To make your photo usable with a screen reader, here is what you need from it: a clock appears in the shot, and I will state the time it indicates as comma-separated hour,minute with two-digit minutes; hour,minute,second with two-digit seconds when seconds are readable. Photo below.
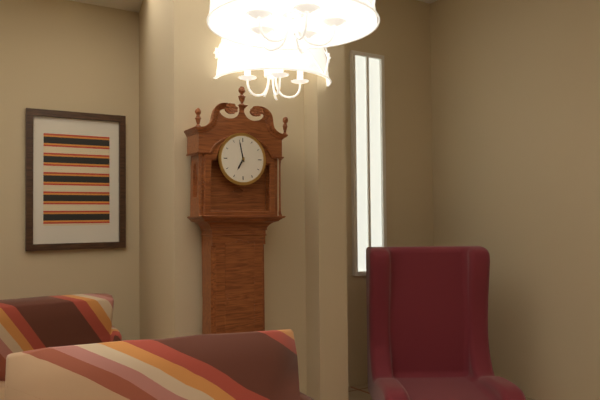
6,58
